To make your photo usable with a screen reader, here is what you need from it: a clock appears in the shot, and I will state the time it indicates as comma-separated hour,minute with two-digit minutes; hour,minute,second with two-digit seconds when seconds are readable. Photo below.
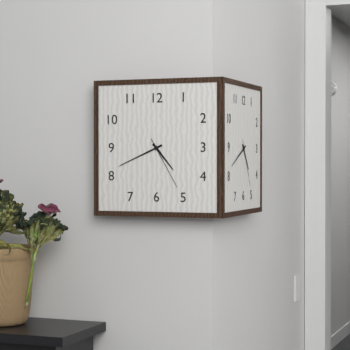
4,41,25
